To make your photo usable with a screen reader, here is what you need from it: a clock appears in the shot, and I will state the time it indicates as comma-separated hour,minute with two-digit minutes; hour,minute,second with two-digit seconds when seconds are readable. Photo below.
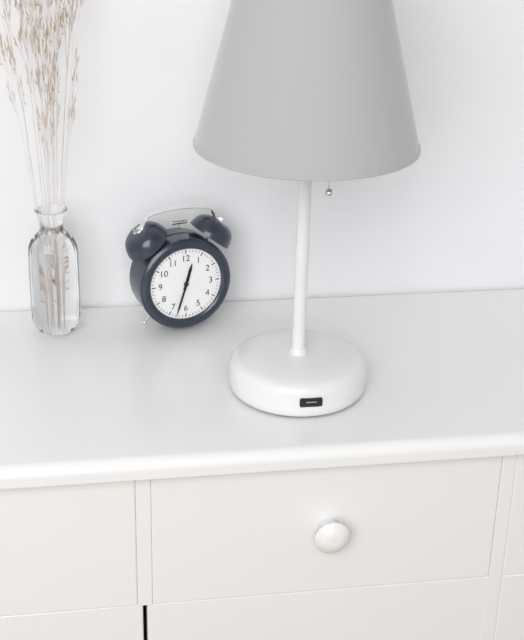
12,33
